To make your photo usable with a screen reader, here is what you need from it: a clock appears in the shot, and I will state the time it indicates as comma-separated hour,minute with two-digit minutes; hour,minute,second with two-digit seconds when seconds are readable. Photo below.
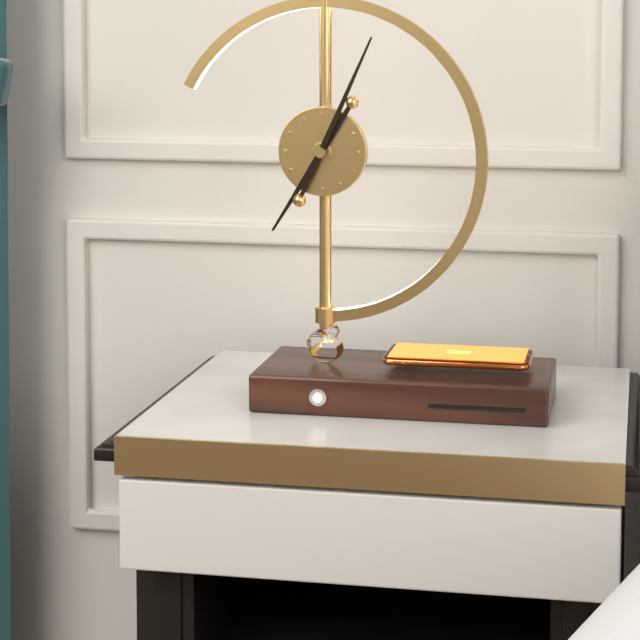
7,04
